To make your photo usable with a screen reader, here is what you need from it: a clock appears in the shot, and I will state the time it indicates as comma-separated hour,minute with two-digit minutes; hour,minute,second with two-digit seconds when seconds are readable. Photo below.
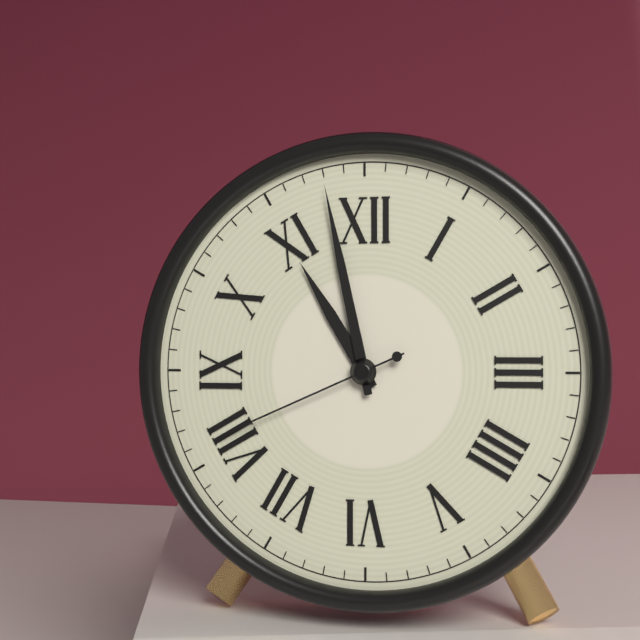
10,58,41
